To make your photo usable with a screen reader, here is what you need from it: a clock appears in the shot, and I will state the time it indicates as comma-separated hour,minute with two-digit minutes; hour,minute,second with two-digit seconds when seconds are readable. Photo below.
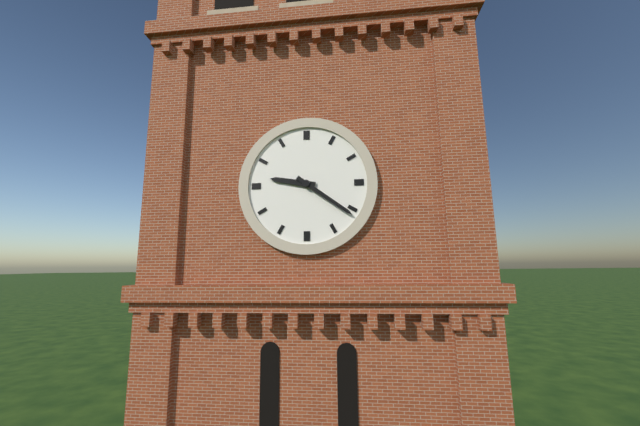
9,21
